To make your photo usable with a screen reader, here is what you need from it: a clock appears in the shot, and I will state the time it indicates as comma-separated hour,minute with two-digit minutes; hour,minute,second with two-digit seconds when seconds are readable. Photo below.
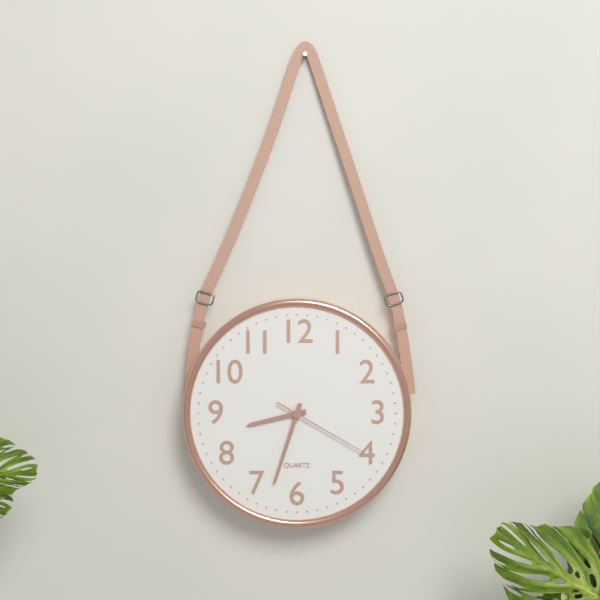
8,33,20
